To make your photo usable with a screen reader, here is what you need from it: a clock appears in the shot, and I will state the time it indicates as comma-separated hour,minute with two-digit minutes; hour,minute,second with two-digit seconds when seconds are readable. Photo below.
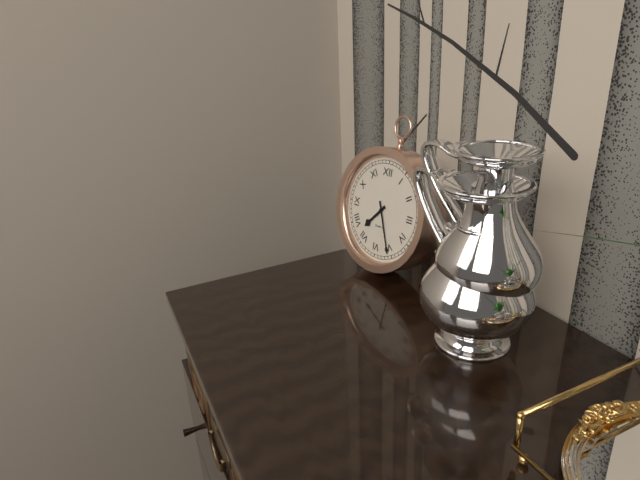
7,26
